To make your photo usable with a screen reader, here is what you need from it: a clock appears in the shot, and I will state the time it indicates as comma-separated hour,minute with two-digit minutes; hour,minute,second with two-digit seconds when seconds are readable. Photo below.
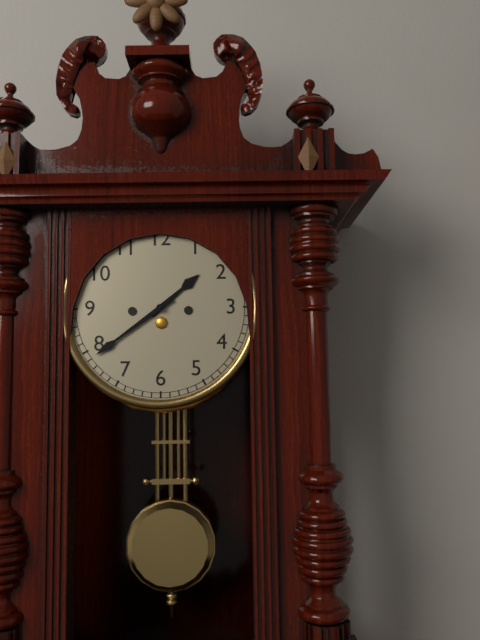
1,39
